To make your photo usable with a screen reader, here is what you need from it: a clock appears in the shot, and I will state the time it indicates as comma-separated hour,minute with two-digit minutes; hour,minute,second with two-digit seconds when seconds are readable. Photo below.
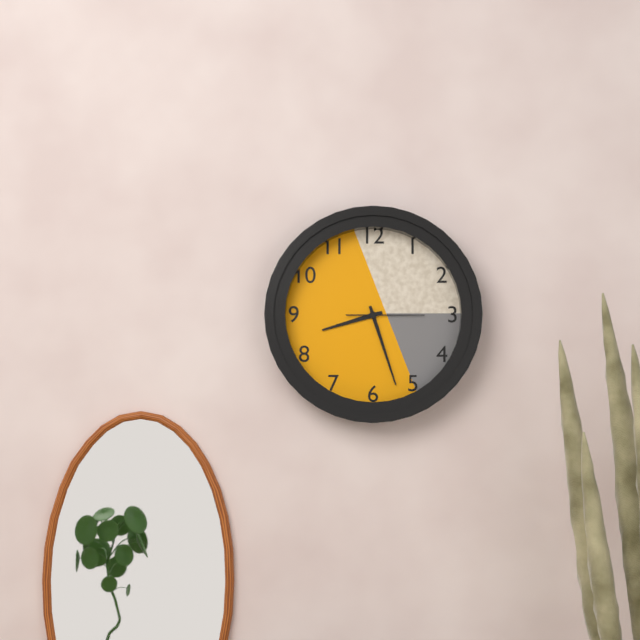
8,27,15
